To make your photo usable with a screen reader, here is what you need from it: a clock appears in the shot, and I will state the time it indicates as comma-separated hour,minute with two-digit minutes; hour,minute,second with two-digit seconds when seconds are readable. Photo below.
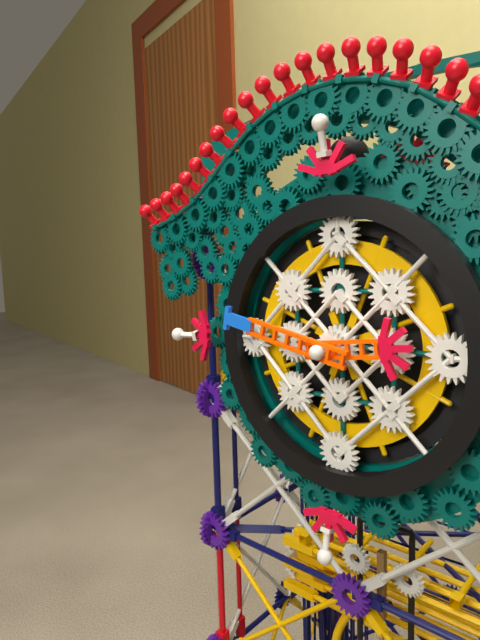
2,47
